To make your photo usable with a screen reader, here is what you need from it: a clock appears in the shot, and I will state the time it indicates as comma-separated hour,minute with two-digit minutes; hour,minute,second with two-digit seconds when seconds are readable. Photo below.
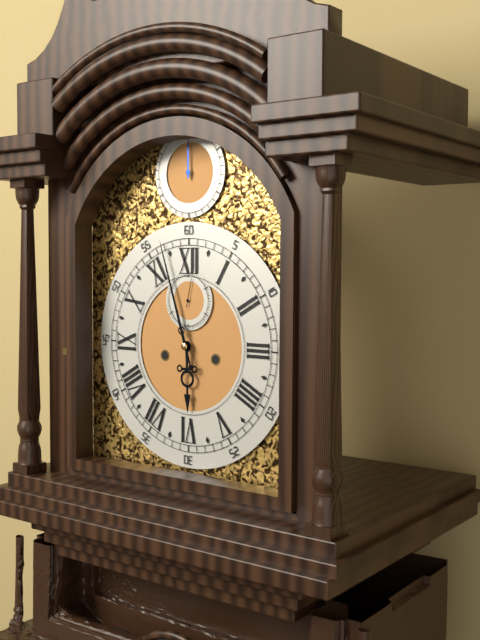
5,57
